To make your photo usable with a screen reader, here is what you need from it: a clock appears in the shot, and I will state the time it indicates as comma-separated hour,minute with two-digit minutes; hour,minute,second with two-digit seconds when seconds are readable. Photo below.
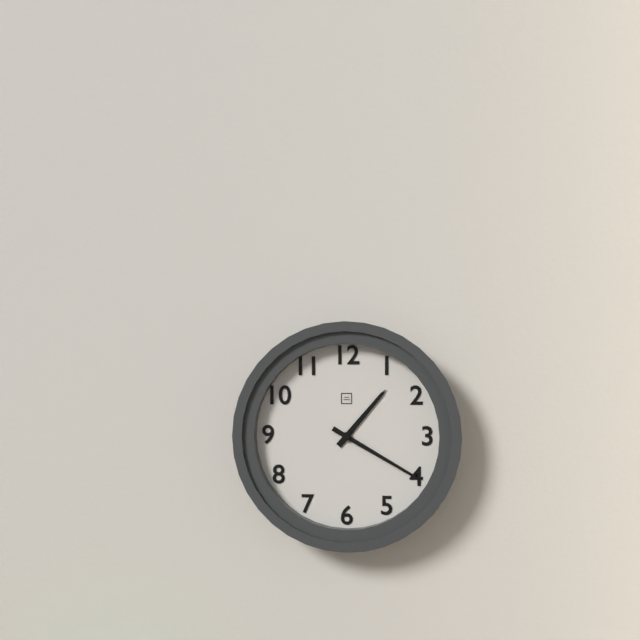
1,20
